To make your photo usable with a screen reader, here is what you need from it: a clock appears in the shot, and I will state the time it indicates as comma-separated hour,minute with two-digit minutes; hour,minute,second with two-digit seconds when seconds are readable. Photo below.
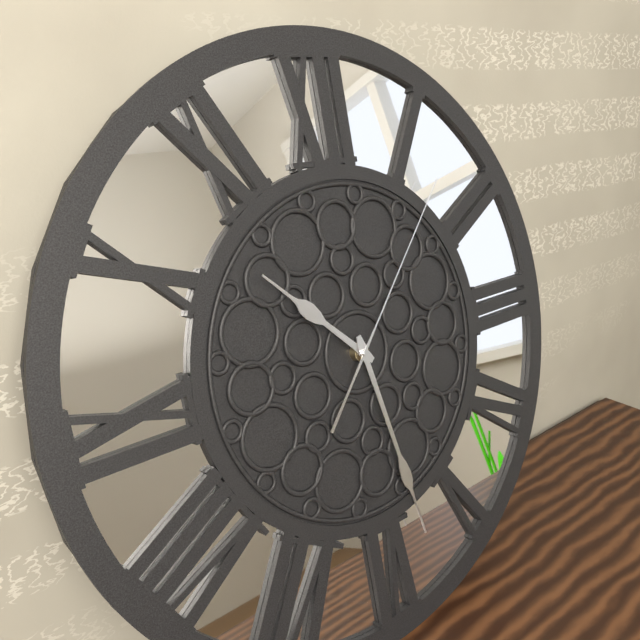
10,28,07
